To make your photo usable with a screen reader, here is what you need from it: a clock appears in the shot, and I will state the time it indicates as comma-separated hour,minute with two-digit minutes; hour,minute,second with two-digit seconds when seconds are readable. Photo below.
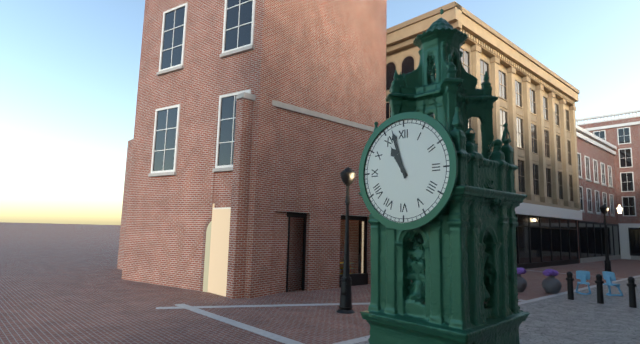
10,57
